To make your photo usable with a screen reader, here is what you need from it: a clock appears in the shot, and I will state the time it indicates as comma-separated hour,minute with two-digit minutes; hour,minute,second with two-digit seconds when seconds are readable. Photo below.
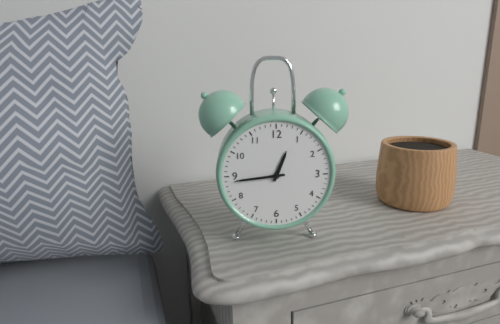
12,44
